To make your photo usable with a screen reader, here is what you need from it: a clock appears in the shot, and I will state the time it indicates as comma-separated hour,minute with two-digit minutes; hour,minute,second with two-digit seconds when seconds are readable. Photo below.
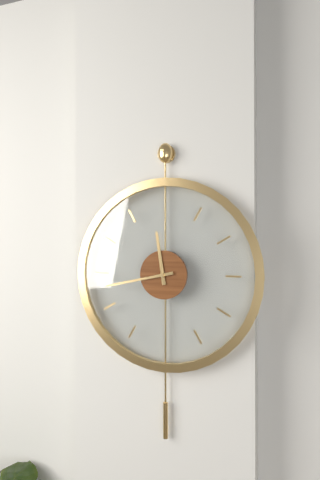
11,43
